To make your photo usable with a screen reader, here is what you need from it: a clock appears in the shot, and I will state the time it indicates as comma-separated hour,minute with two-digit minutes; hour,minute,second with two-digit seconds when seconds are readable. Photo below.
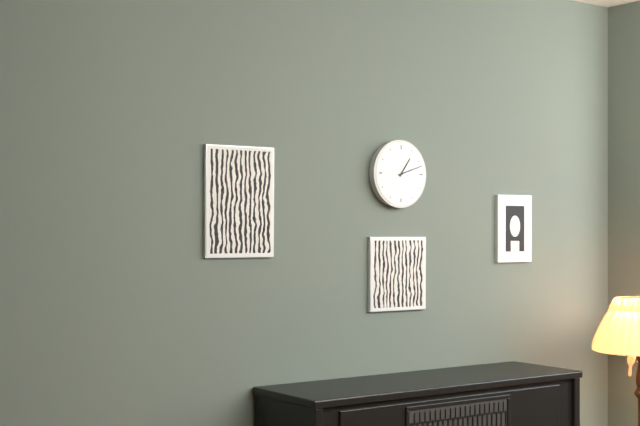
1,12
